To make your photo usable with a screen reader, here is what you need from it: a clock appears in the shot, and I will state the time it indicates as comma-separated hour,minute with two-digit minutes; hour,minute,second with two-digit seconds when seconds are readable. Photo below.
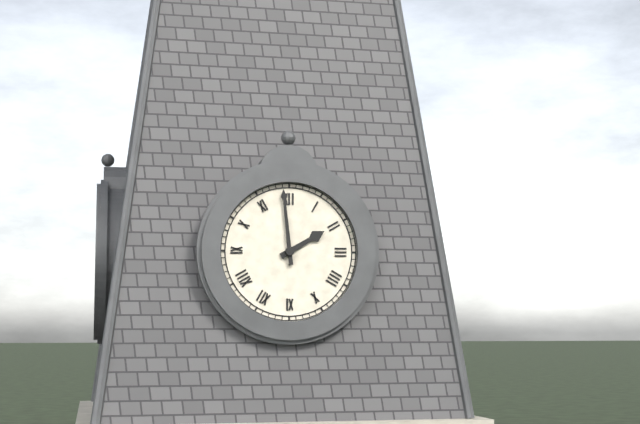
1,59
